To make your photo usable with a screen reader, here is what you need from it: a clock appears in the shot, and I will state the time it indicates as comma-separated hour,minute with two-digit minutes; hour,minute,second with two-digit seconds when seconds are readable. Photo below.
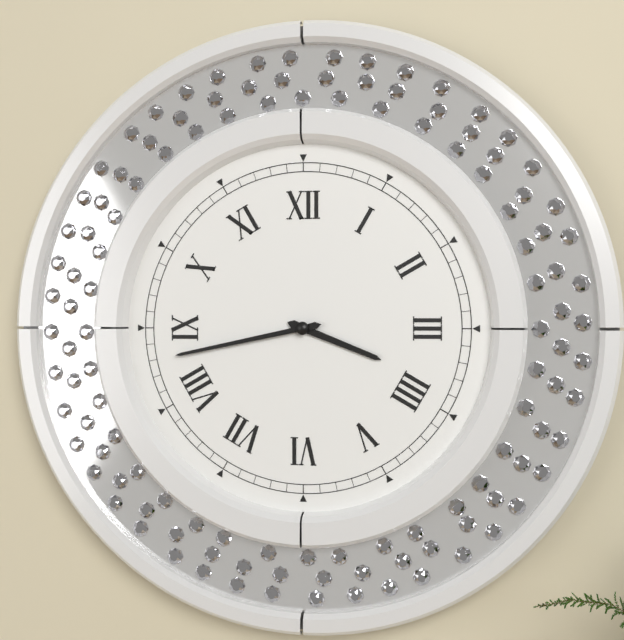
3,43
